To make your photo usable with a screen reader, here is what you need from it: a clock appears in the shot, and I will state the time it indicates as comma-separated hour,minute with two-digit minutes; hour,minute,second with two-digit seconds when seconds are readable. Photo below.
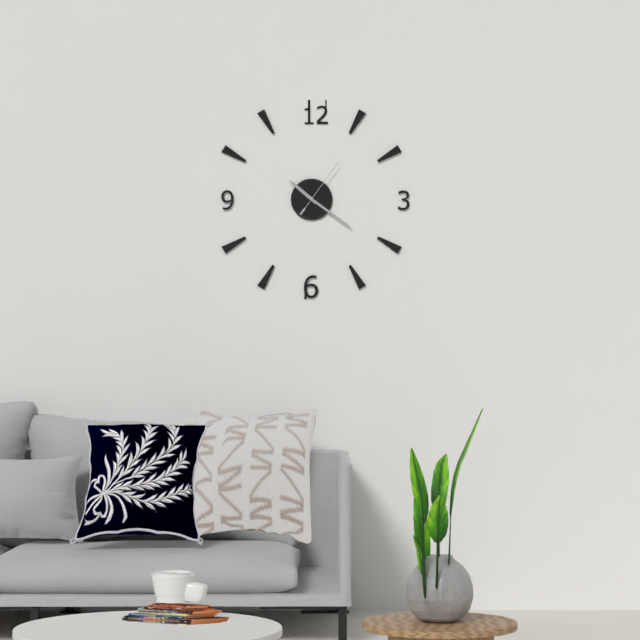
10,21,06
